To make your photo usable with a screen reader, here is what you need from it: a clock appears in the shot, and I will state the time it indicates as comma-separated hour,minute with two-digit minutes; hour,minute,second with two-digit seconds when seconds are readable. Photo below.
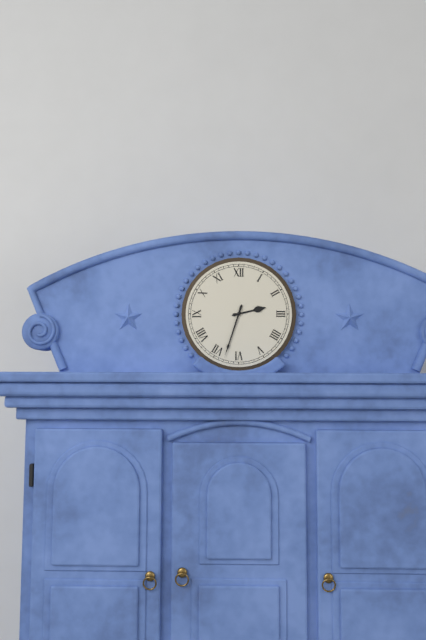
2,33
